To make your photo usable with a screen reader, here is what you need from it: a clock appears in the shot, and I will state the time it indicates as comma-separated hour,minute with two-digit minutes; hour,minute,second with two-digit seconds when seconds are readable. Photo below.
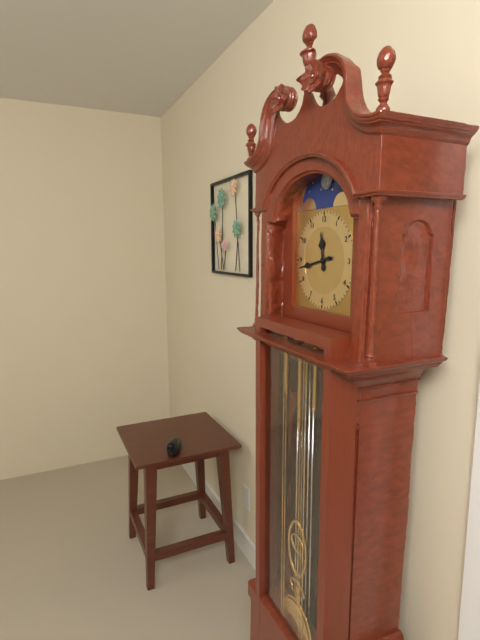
11,43
